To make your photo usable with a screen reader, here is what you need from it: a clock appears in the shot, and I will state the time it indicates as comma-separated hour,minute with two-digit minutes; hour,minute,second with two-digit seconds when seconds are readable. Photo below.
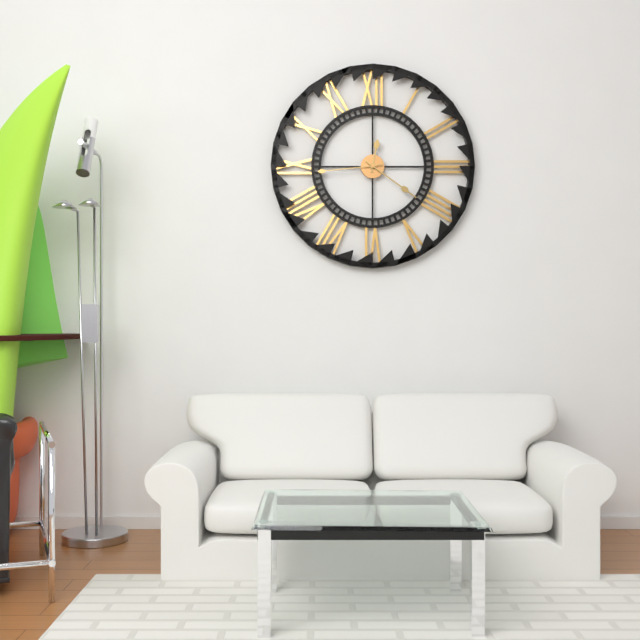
12,21,44
